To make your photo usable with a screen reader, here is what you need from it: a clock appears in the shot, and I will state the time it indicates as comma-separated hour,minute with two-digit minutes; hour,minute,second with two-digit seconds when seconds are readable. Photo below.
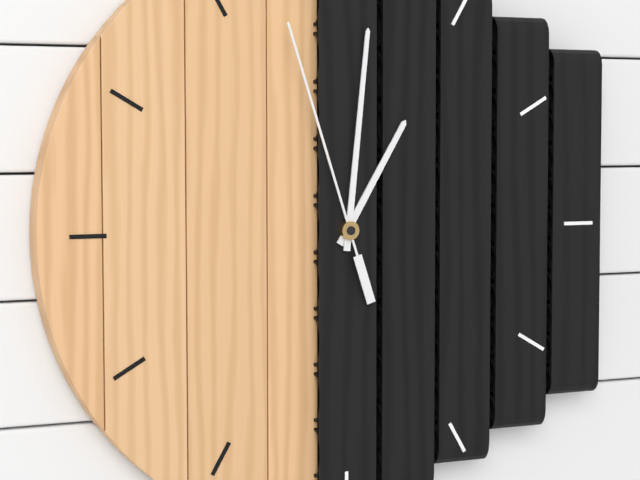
1,01,57
